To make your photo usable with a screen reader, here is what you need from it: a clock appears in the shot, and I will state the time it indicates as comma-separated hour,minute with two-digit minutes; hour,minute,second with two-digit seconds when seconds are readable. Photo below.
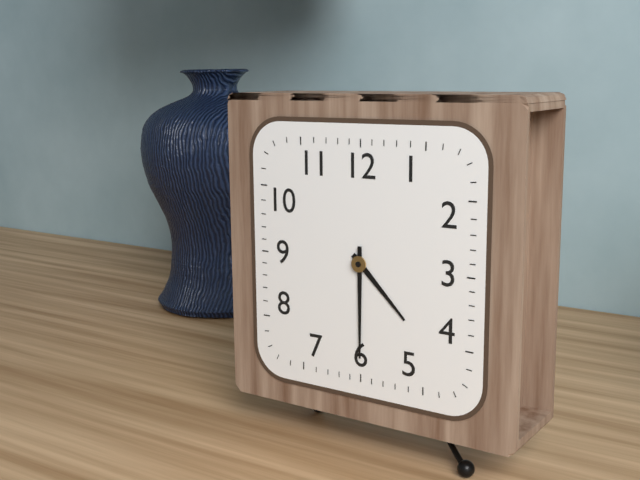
4,30
